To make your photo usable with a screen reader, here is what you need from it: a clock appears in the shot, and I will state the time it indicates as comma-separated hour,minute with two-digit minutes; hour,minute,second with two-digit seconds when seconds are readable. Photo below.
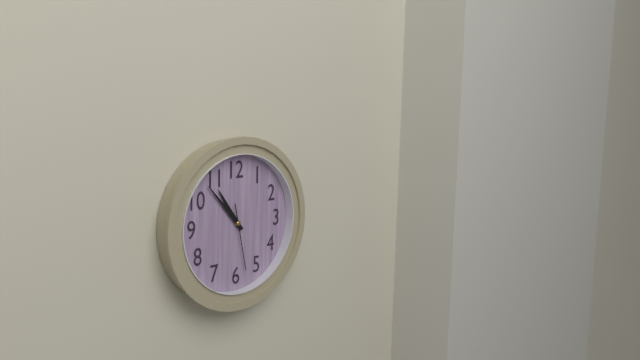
10,53,28
